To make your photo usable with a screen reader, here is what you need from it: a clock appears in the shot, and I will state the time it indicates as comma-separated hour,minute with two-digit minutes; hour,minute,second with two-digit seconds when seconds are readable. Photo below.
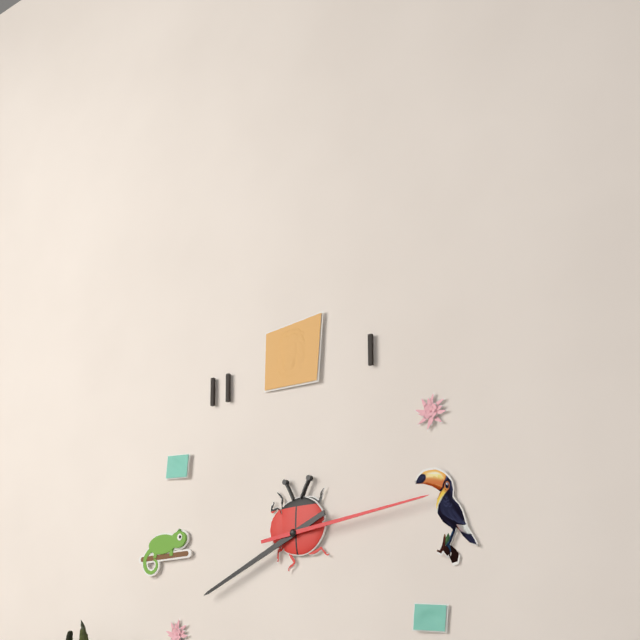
8,14
